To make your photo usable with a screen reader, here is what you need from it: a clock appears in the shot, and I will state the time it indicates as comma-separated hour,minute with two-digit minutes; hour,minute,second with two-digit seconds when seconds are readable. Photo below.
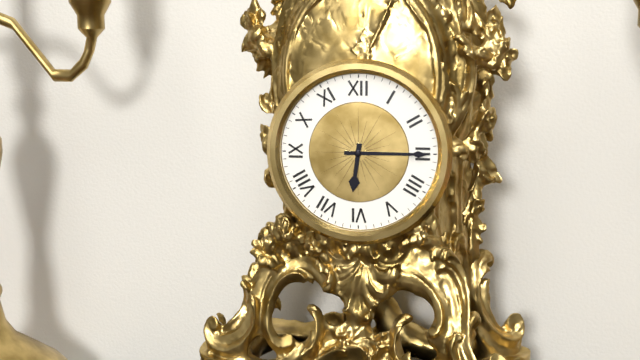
6,15
